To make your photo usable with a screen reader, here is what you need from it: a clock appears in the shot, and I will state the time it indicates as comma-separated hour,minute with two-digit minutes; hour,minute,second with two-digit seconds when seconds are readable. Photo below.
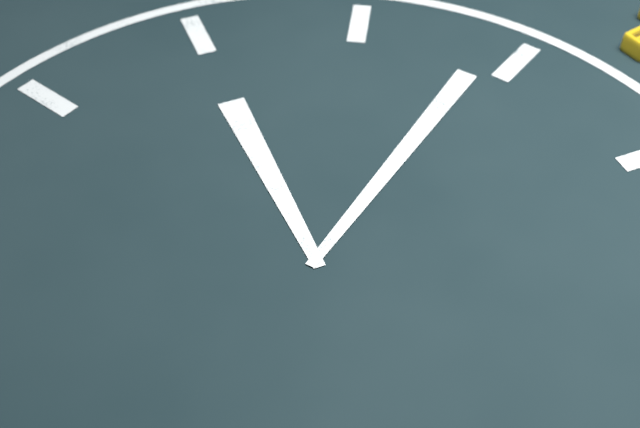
9,59
